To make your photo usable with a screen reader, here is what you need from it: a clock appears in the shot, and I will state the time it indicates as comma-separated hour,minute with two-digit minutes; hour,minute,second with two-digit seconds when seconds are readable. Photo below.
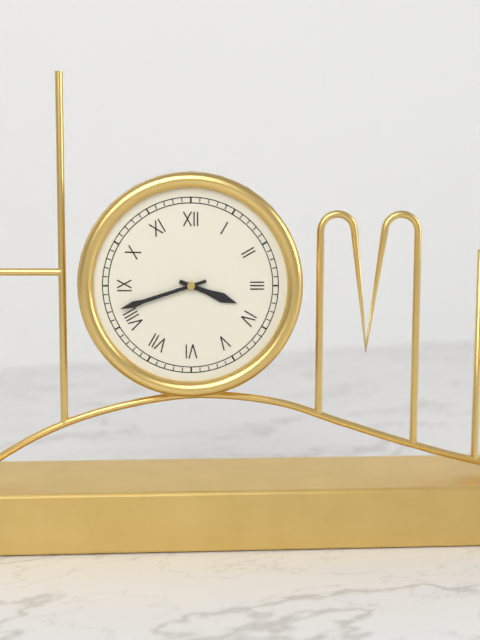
3,42
